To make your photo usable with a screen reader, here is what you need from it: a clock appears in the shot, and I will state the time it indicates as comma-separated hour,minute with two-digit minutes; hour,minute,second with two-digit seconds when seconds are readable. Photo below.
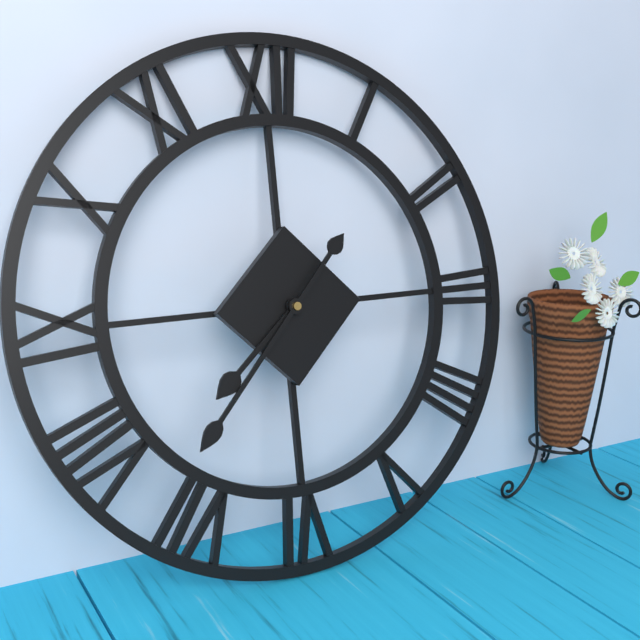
7,37
